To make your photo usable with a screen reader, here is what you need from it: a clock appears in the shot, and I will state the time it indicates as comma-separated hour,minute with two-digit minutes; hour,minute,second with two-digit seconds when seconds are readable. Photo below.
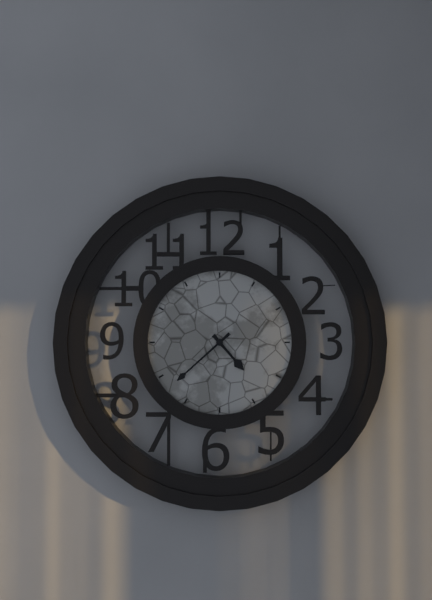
4,38
